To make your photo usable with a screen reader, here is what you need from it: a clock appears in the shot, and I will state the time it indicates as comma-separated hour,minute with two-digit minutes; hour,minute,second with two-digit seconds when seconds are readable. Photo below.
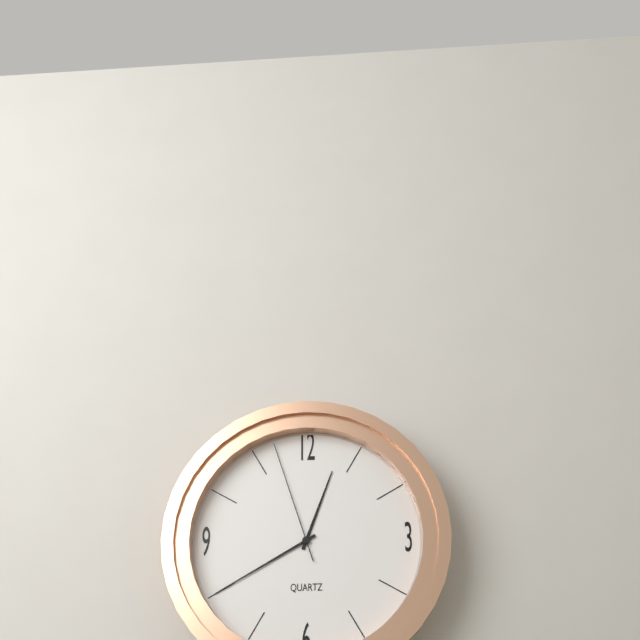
12,40,57
